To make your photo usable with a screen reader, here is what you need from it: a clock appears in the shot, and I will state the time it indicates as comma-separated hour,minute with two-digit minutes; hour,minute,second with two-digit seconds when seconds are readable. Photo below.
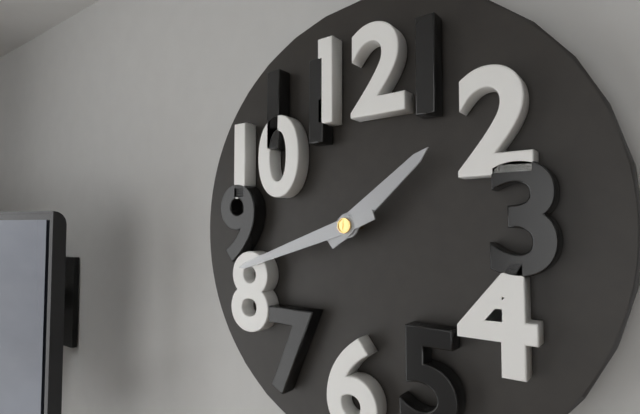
1,42
